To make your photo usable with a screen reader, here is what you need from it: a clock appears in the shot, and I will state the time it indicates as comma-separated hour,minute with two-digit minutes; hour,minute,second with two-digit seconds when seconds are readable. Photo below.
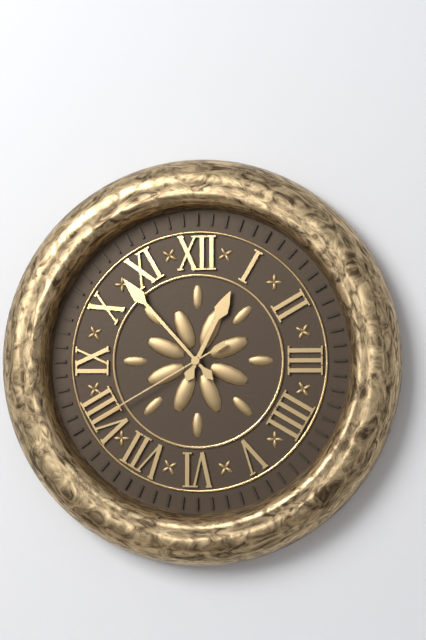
12,53,40
